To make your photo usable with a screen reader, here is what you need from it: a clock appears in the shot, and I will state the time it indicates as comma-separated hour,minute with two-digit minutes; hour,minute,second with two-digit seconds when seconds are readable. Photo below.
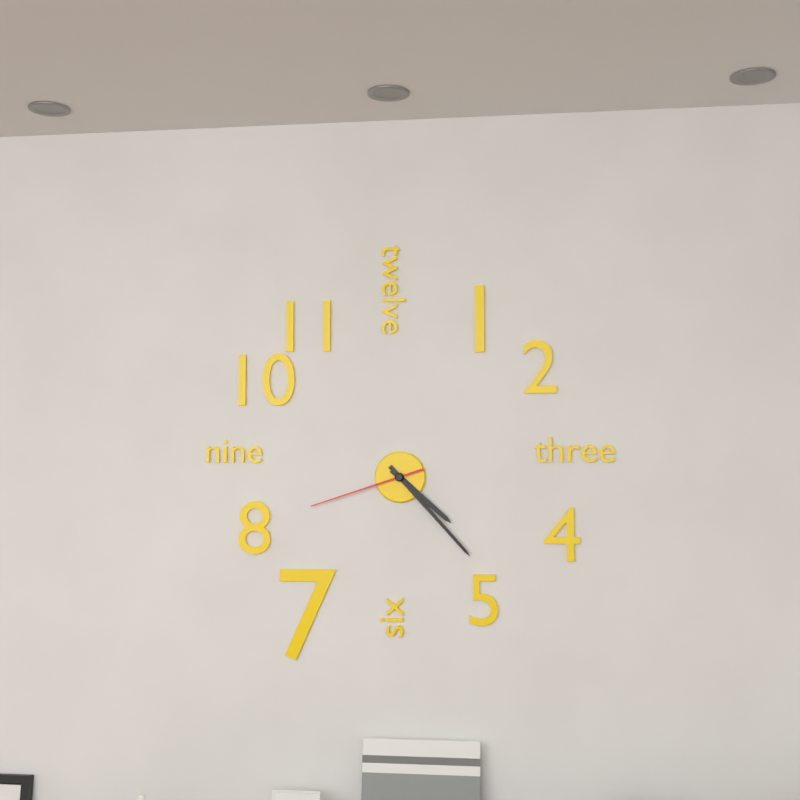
4,23,42
